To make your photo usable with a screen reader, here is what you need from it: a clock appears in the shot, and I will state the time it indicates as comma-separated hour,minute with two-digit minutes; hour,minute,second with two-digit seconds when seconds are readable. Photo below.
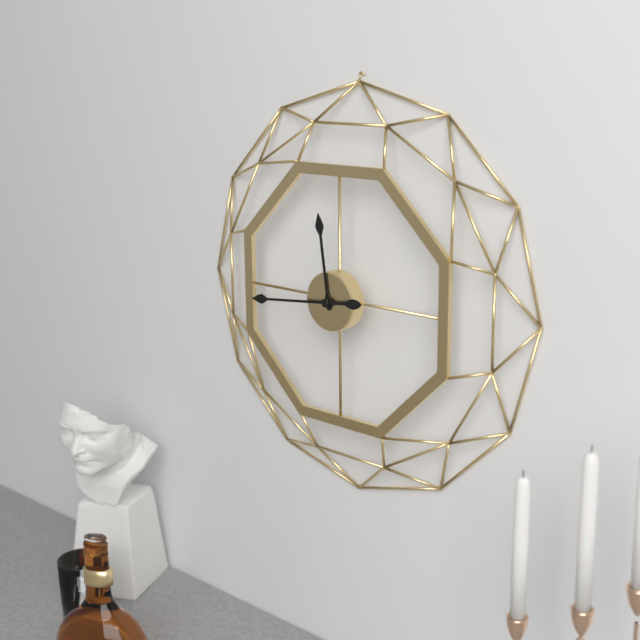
11,44
